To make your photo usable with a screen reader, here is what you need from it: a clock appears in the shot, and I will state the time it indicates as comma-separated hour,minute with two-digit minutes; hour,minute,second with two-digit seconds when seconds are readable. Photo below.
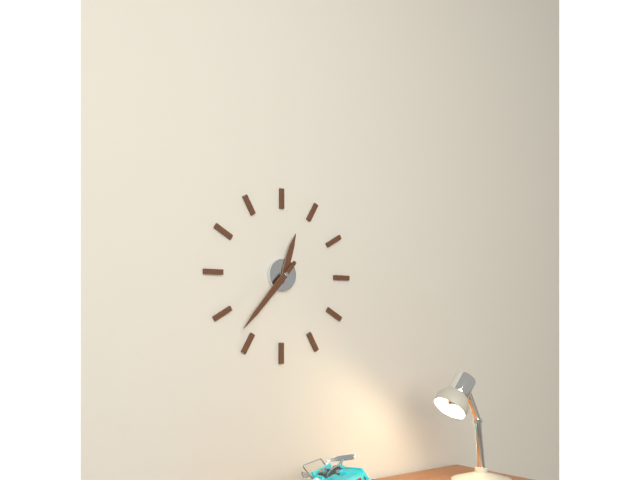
12,37
